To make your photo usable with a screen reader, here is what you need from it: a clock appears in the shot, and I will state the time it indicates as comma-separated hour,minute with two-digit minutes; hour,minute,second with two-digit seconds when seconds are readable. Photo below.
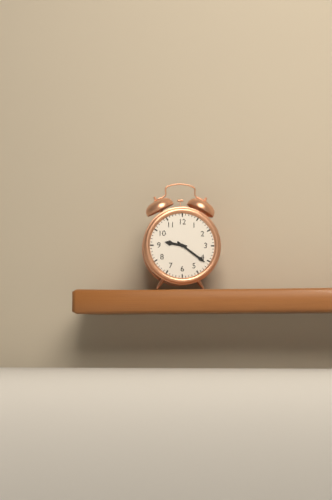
9,21
